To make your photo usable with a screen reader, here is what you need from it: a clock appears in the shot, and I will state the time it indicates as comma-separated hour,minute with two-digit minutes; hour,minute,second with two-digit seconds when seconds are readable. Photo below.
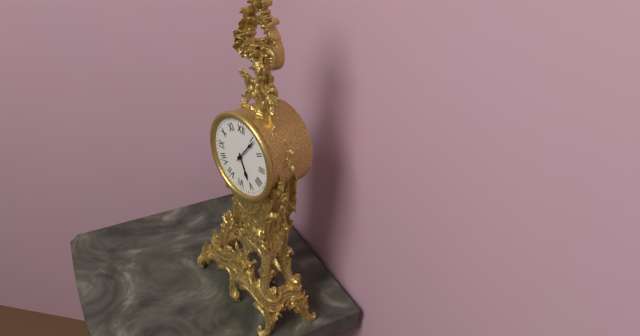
5,06
